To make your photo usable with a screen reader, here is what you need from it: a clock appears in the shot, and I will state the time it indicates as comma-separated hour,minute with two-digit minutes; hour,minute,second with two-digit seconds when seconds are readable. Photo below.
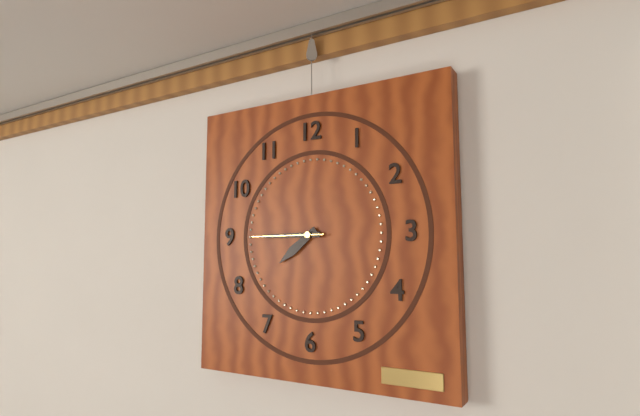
7,45,45
